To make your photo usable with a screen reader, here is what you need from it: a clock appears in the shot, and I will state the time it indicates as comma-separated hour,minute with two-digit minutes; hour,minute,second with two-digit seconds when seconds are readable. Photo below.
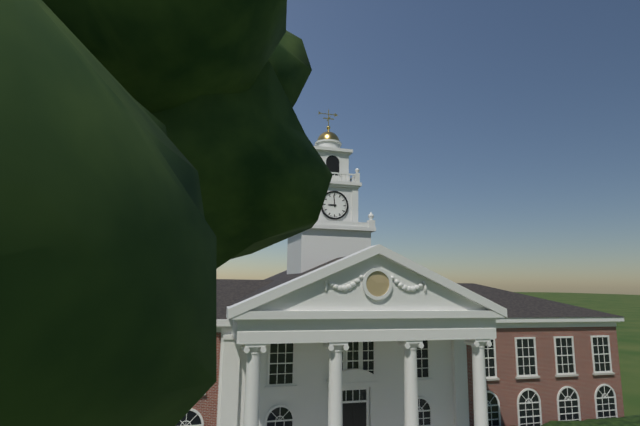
8,59
